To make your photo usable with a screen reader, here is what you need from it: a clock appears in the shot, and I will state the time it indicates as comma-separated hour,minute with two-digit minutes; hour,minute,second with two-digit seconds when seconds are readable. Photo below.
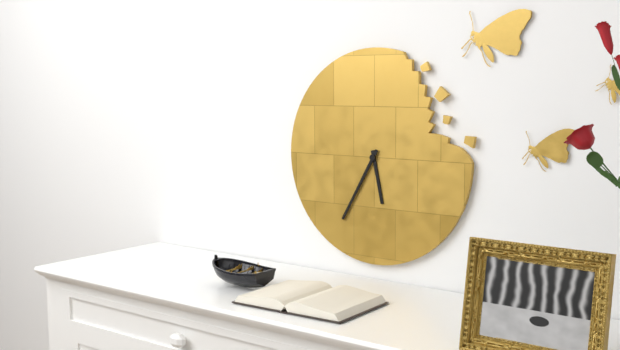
5,35
